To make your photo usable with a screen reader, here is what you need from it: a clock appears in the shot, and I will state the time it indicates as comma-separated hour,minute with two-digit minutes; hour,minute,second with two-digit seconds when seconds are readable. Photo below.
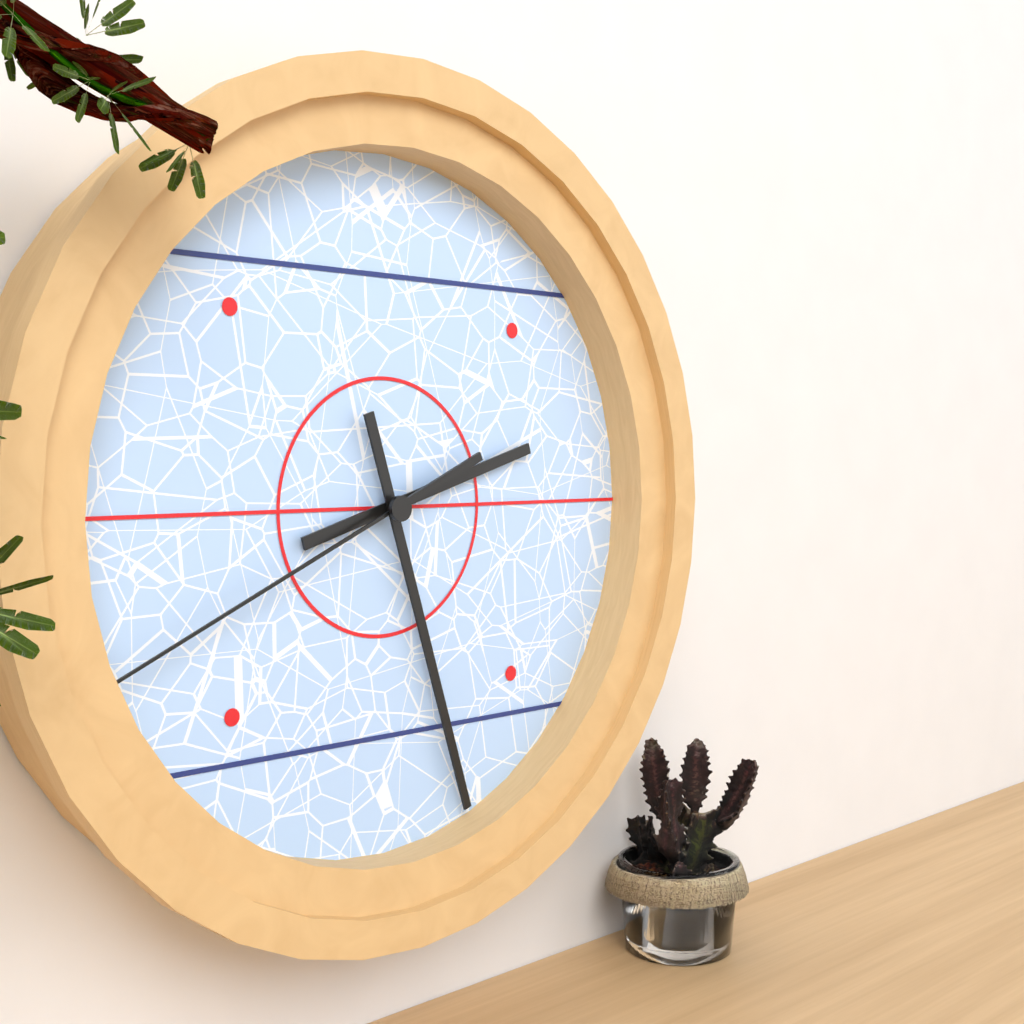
2,27,41
